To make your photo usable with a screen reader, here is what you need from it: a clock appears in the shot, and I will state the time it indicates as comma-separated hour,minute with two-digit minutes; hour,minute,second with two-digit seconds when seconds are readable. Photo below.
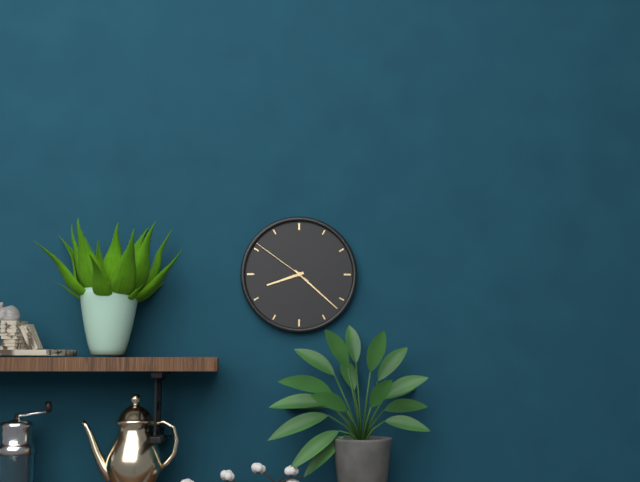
8,22,51
